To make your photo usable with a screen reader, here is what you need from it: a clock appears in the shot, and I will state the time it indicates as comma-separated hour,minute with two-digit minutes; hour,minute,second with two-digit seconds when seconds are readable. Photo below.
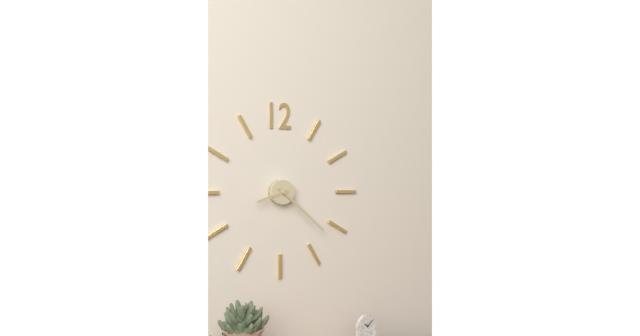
8,22
